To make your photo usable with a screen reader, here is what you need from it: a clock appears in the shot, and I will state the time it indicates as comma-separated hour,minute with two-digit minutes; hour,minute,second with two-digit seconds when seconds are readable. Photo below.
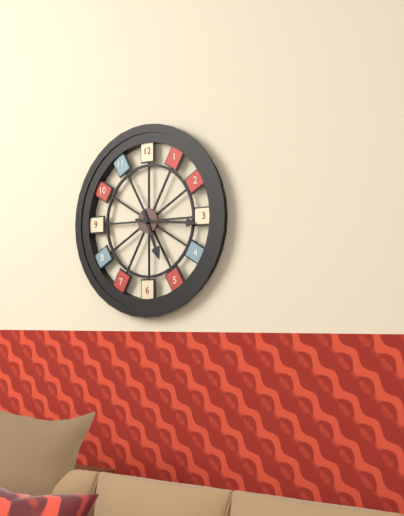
5,16
